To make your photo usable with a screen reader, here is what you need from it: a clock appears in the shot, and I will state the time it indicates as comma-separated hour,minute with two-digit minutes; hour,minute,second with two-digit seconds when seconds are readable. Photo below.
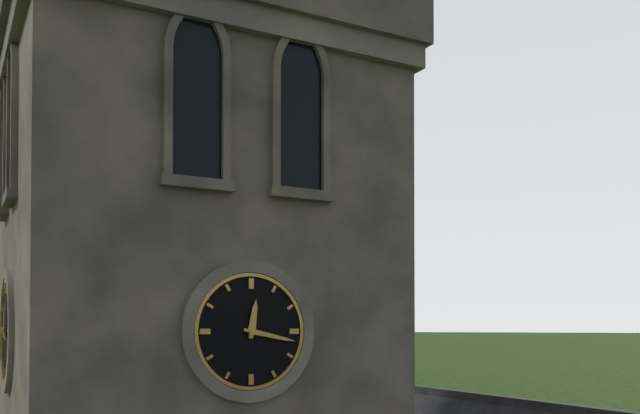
12,17
